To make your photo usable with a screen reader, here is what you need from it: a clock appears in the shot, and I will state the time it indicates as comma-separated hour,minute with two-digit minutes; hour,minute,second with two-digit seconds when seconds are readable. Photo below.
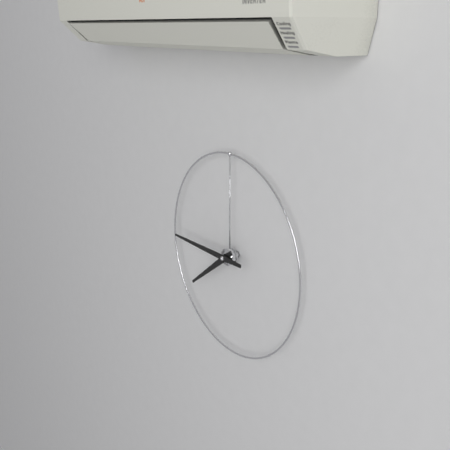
7,45
